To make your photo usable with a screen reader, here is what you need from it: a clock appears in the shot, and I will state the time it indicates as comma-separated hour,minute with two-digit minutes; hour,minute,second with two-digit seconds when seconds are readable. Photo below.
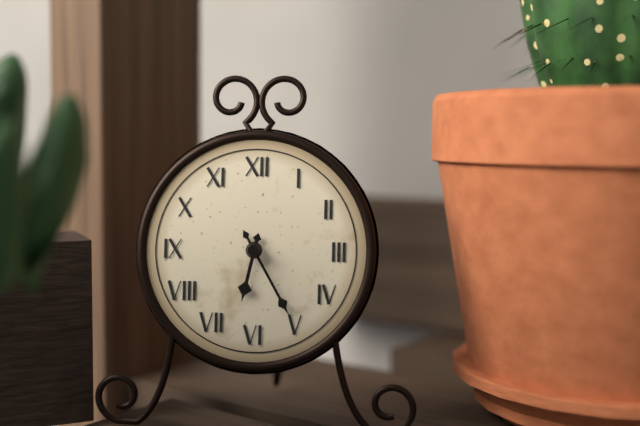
6,25
